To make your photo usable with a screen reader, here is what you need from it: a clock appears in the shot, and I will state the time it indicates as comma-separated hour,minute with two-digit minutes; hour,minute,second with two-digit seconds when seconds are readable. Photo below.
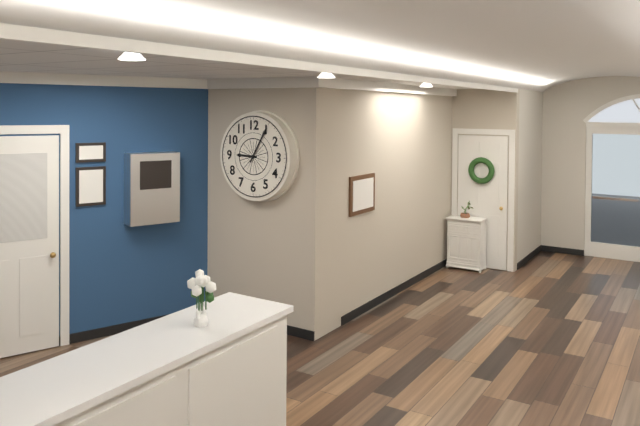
9,05
